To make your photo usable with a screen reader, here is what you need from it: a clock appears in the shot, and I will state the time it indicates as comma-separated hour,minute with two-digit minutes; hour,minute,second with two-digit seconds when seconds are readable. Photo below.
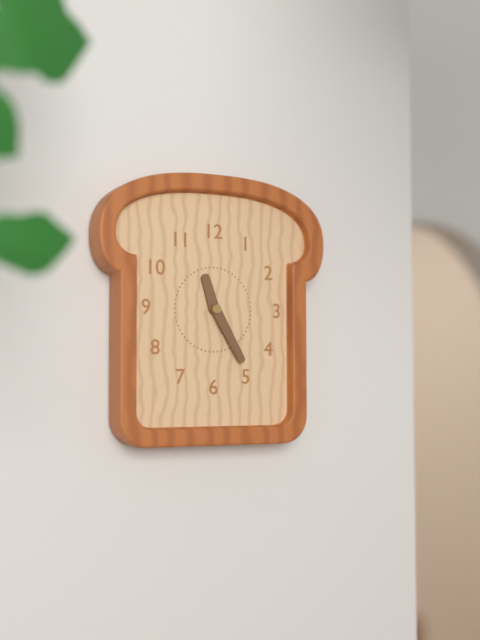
11,25
